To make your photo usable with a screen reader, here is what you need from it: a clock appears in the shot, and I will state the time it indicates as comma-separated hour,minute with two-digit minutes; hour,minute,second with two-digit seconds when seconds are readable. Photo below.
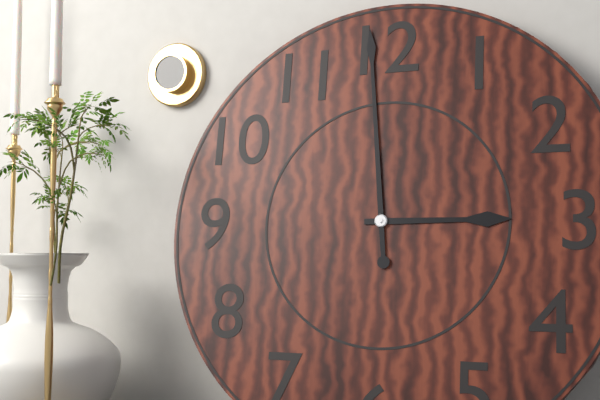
2,59
